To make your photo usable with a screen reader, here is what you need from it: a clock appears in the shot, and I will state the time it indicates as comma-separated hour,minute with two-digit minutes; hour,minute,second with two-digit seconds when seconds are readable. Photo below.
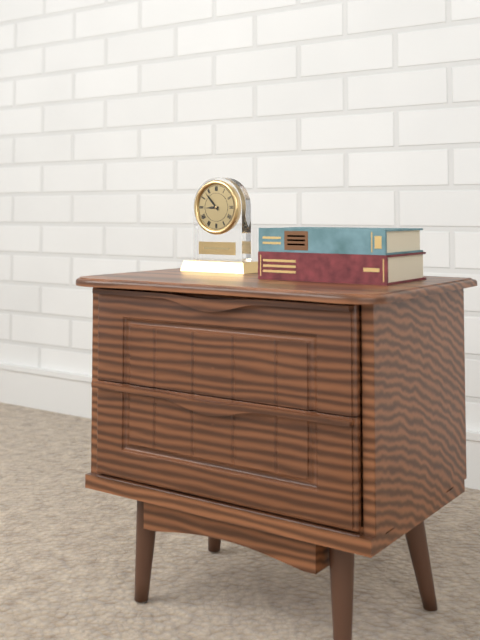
8,53
